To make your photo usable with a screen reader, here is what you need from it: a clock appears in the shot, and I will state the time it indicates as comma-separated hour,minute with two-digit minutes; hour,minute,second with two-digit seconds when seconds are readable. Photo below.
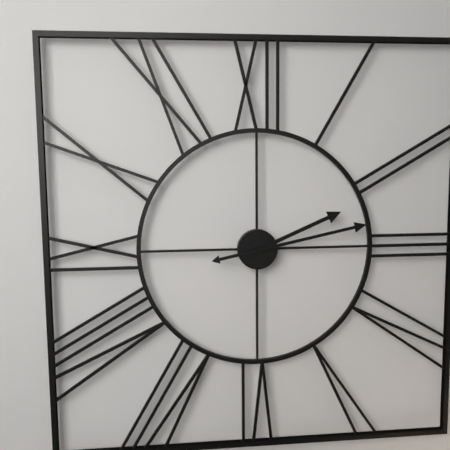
2,13
